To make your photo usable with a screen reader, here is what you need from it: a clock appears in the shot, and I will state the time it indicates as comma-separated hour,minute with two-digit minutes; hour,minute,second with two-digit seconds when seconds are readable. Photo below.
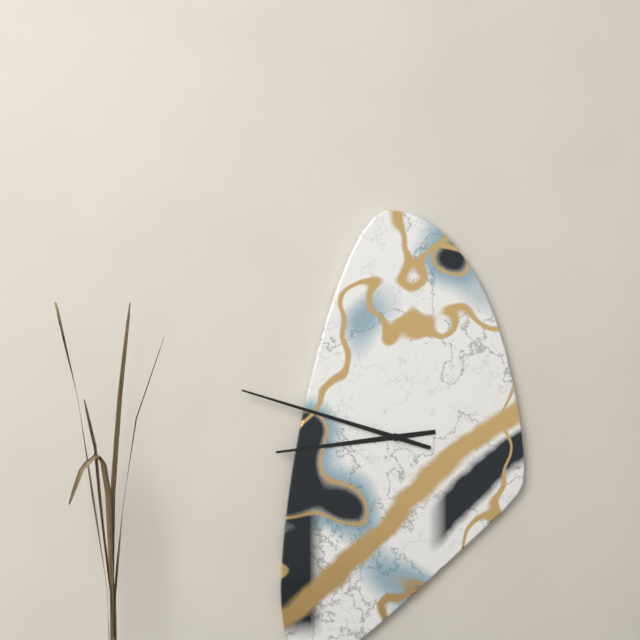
8,48
